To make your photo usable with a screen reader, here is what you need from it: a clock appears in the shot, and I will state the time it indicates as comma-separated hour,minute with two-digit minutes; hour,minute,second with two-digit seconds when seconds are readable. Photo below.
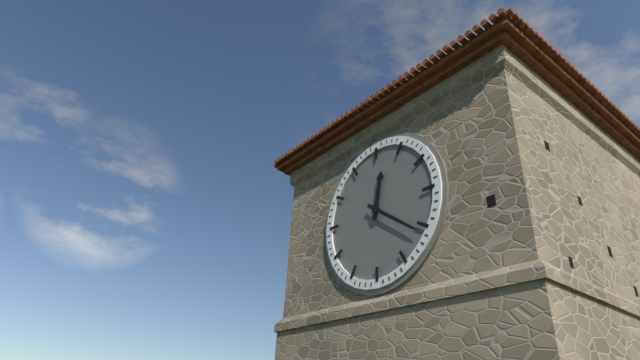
12,21
